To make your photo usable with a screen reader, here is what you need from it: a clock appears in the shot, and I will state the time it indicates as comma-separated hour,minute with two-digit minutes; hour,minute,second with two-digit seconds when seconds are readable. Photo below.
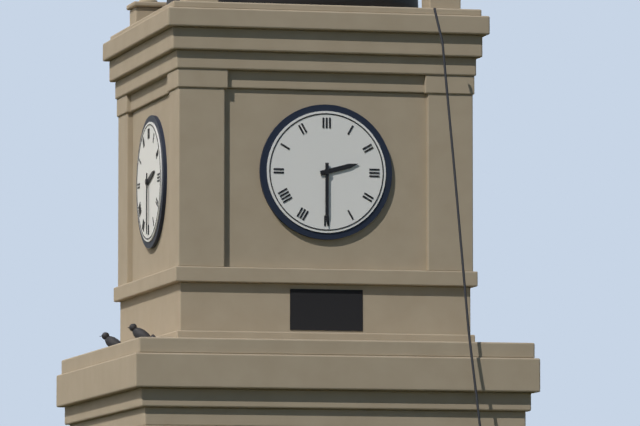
2,30
